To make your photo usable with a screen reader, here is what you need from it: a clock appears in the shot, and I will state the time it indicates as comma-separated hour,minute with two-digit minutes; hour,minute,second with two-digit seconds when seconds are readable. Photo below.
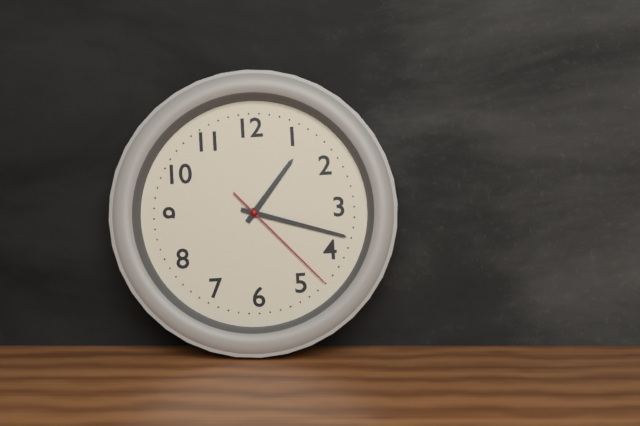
1,18,23
